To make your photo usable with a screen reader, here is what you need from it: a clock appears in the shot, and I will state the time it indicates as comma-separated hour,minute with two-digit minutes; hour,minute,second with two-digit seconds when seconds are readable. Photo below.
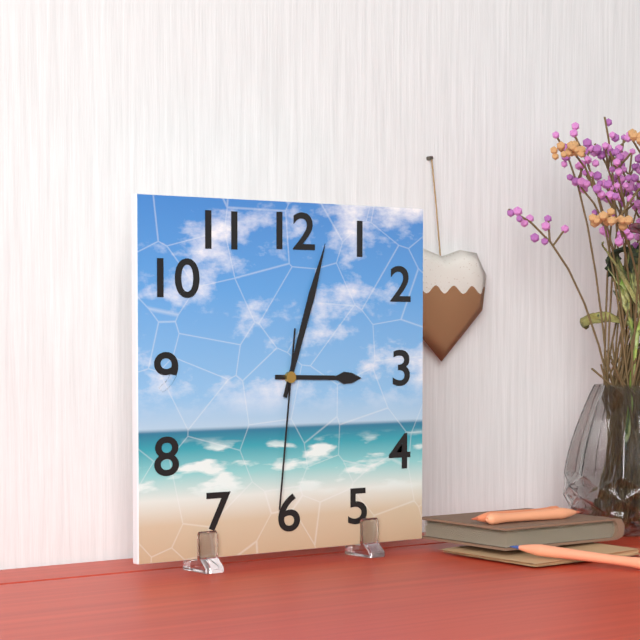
3,03,31
